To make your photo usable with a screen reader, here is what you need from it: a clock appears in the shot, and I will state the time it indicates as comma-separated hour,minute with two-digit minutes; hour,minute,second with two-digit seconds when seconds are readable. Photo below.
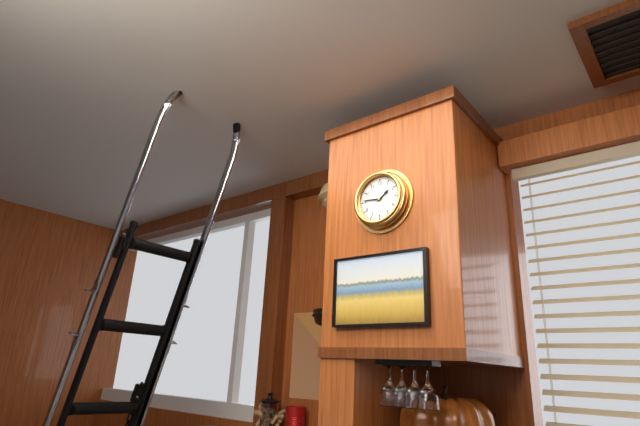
1,46
